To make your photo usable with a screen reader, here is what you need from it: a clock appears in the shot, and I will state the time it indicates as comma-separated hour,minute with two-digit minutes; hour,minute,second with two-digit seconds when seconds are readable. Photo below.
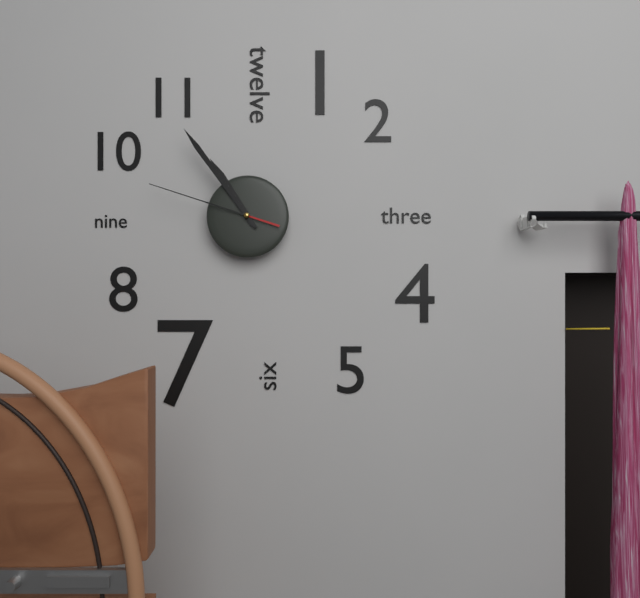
10,54,48
